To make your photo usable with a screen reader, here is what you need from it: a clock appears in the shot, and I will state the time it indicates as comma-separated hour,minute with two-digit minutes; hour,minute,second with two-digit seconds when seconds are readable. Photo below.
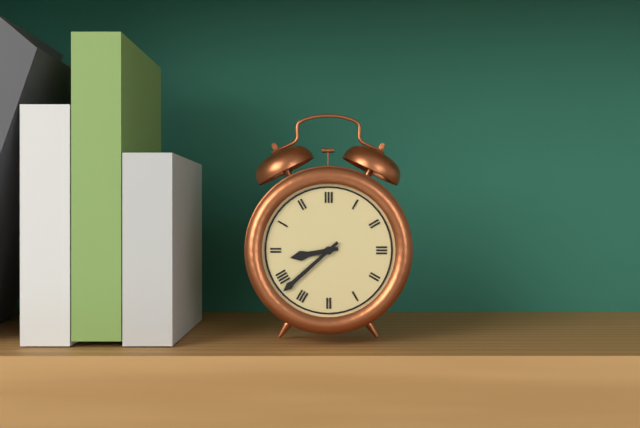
8,38
